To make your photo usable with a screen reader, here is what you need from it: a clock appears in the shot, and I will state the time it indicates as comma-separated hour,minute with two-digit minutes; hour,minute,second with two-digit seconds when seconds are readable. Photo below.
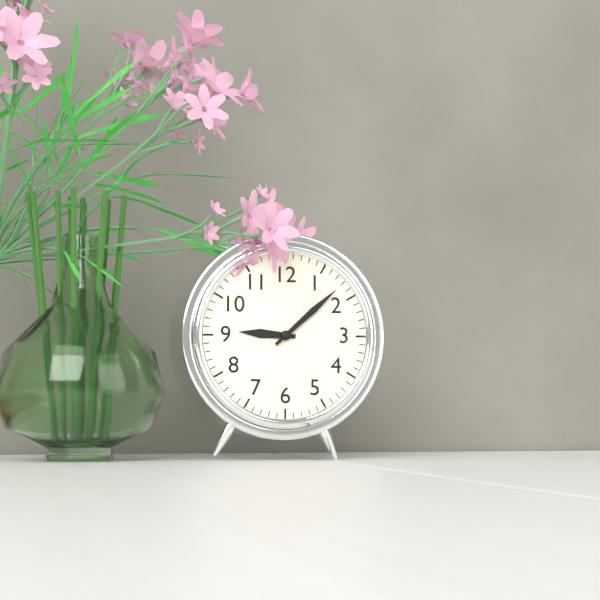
9,08
